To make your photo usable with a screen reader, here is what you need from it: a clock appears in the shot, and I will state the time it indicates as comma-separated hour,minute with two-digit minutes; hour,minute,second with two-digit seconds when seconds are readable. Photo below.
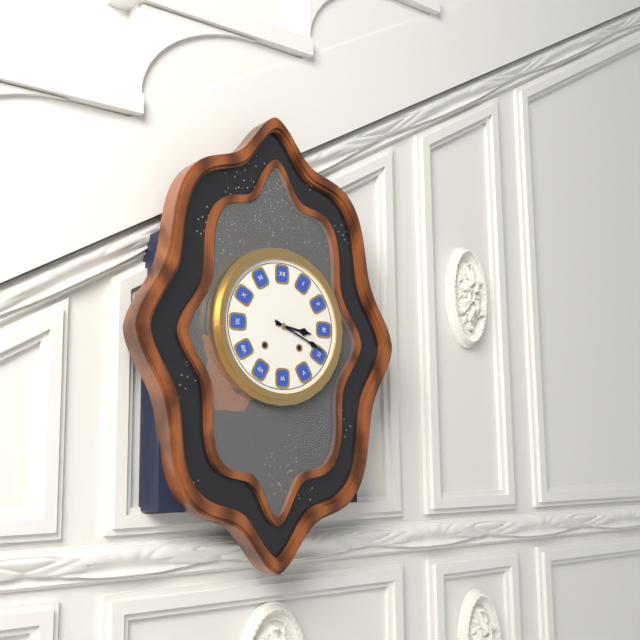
3,19
